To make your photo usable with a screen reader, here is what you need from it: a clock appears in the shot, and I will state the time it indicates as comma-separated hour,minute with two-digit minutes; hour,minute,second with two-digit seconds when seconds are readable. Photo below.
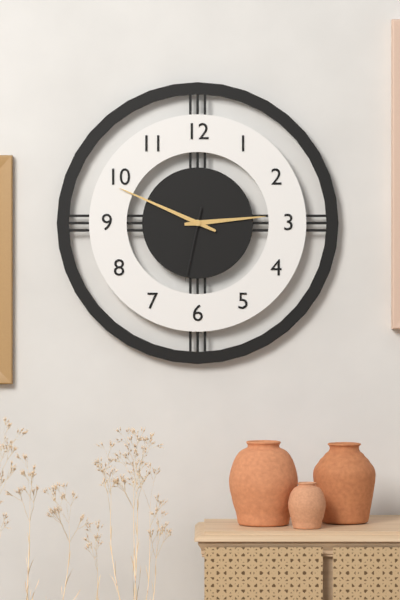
2,49,32
